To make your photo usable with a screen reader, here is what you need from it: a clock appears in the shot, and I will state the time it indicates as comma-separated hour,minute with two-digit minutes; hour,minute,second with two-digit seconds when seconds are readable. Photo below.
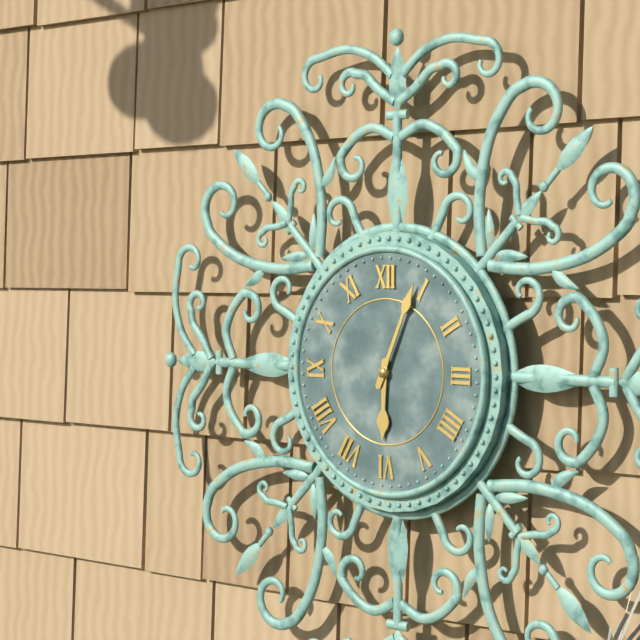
6,04
